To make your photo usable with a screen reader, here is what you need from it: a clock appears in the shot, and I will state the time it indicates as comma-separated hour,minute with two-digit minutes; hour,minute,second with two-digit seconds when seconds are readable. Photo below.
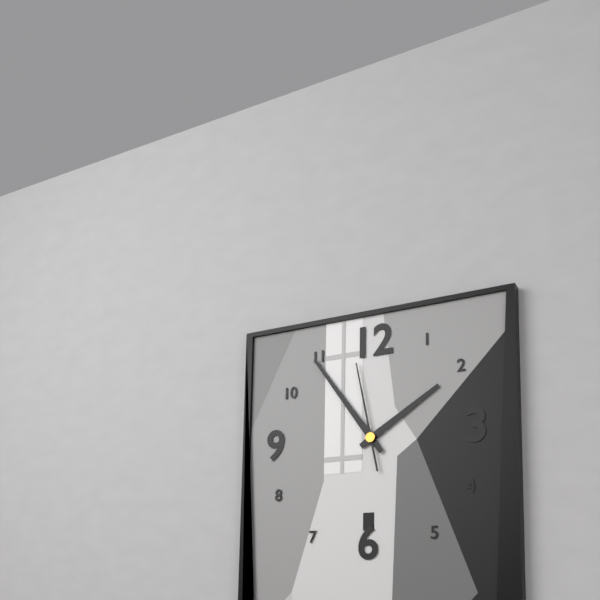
1,54,58
